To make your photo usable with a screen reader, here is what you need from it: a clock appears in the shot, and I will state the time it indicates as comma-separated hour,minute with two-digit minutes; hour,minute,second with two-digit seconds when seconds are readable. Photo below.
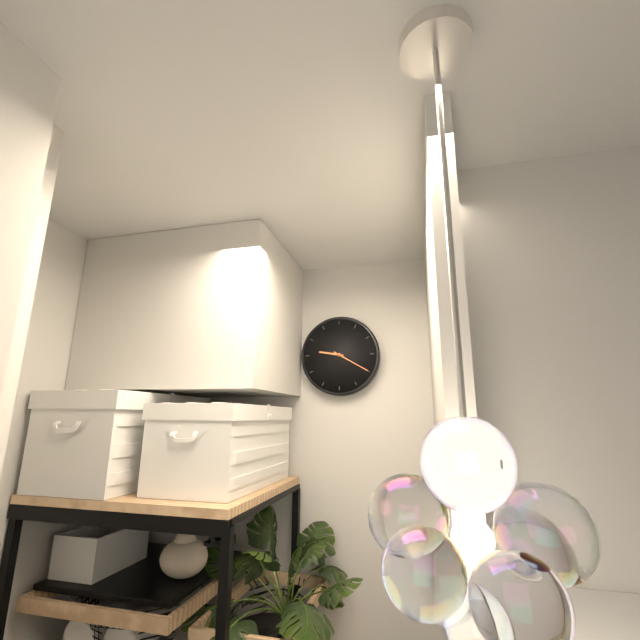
9,20
